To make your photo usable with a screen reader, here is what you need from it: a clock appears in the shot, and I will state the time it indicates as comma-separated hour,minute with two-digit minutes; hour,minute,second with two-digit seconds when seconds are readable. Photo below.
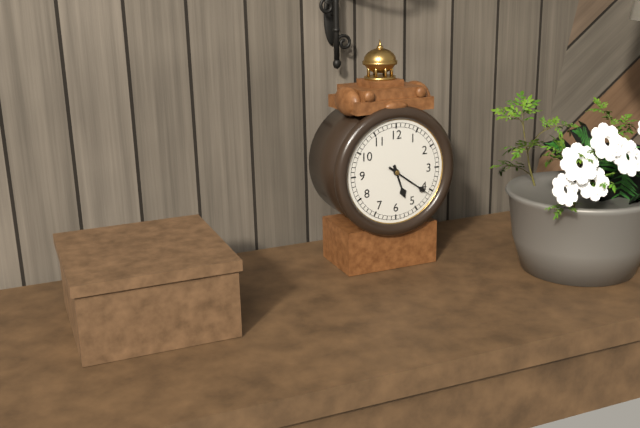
5,21
